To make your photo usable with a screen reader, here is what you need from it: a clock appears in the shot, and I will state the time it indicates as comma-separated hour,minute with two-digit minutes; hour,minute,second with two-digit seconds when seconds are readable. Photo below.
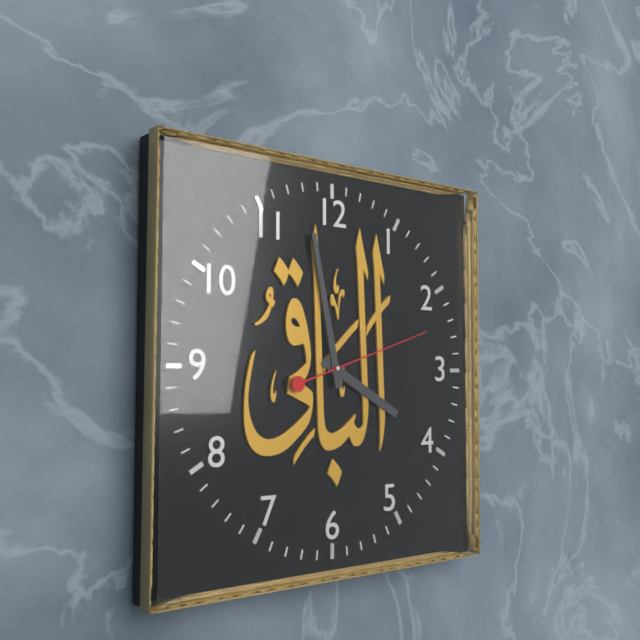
3,58,12
